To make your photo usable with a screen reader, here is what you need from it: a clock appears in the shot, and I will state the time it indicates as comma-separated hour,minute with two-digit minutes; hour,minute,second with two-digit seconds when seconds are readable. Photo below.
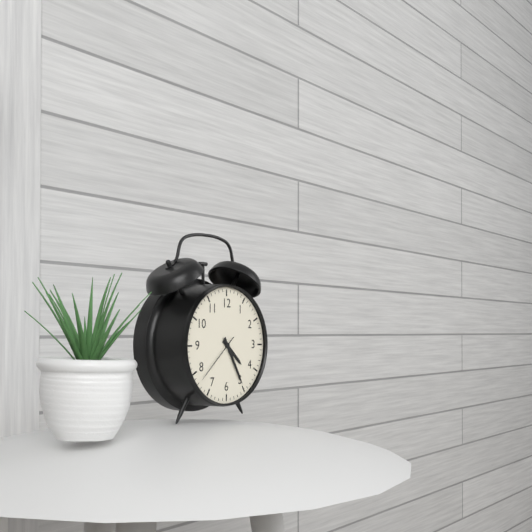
4,25,38
